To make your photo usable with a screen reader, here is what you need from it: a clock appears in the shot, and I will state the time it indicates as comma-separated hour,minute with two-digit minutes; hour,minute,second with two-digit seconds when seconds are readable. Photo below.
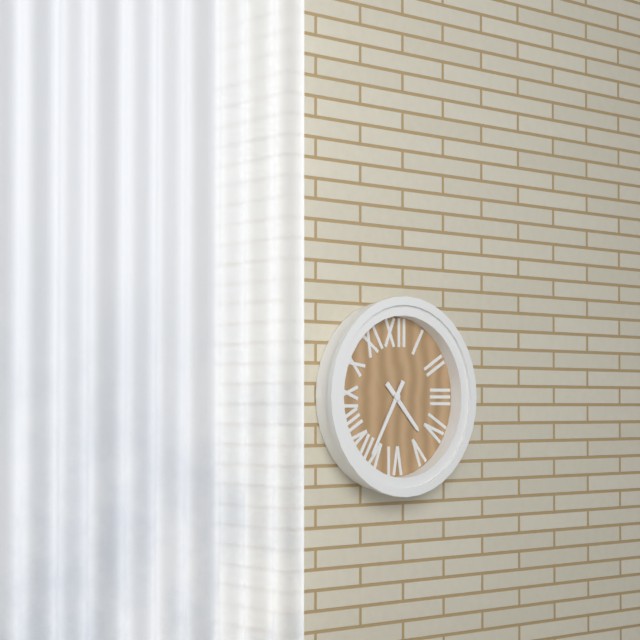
4,35
